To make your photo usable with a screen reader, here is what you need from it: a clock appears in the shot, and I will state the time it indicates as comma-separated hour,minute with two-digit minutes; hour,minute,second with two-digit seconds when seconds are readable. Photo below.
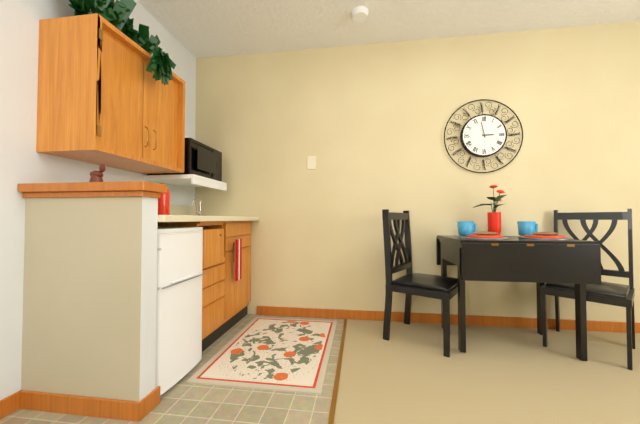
2,58
